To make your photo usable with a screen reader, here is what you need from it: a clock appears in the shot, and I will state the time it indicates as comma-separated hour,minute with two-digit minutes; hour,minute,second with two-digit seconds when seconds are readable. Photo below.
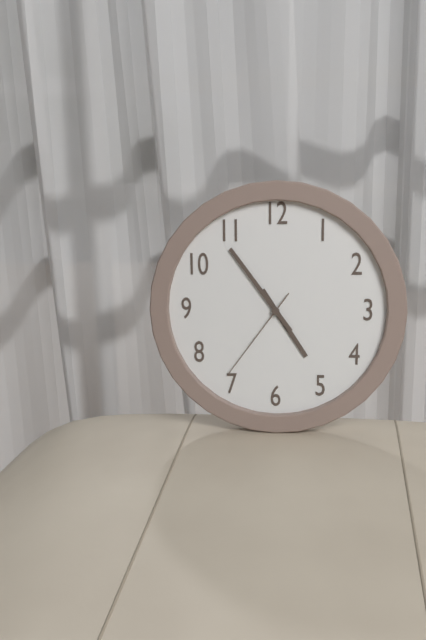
4,54,36
